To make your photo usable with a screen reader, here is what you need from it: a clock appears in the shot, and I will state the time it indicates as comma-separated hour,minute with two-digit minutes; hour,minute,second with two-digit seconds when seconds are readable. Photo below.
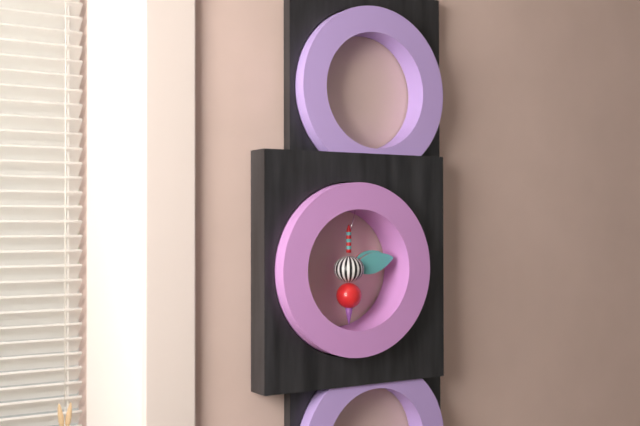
2,13
